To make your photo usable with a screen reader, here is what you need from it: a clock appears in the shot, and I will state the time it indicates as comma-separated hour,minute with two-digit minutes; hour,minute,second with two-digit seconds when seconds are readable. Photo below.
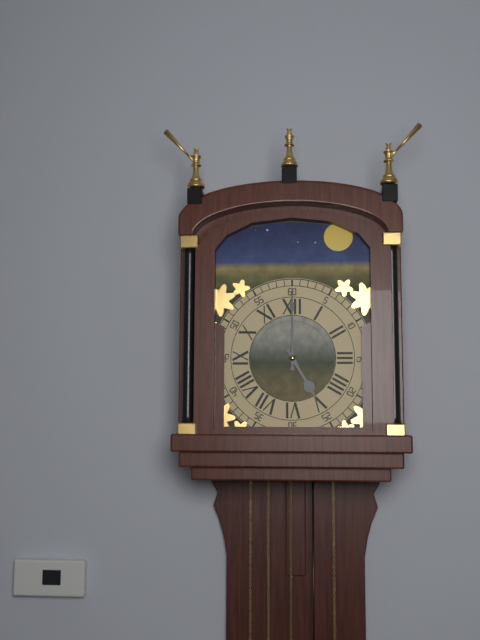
5,00
